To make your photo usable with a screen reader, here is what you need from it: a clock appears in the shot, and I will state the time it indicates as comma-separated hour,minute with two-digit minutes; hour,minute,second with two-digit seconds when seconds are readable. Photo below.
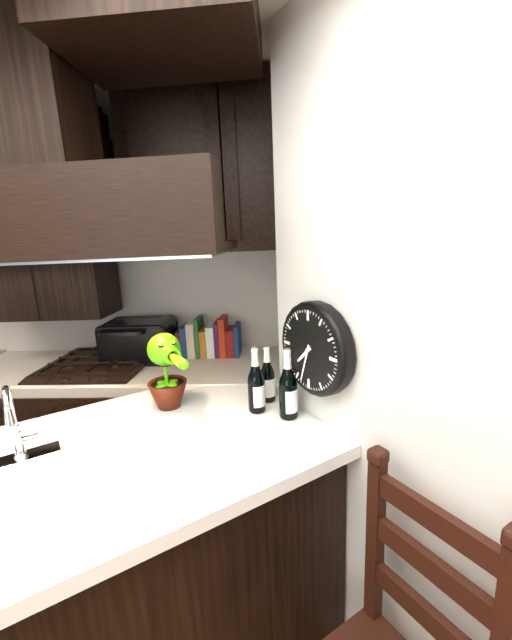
7,33
